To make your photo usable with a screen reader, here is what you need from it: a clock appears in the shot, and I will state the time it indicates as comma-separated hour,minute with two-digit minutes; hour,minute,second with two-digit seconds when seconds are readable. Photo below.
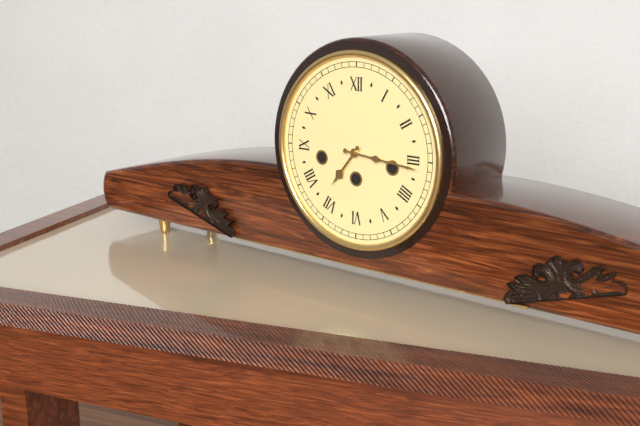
7,16
